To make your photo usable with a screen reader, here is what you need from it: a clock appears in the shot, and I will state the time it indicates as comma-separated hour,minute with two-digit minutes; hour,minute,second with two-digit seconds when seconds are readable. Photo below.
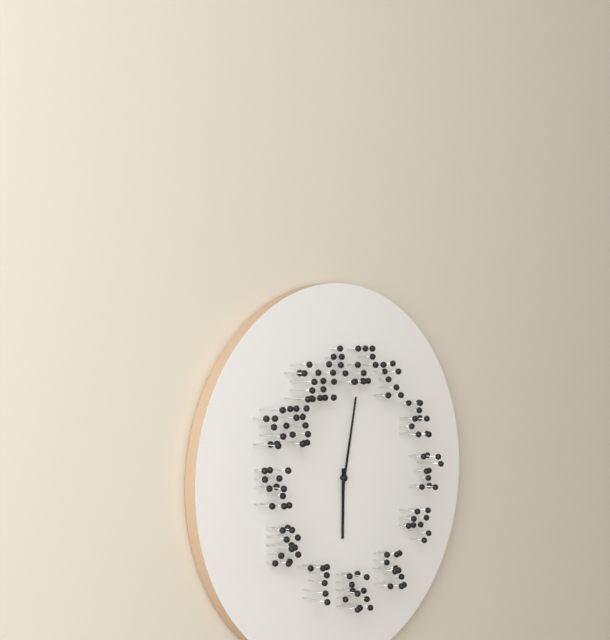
6,02
